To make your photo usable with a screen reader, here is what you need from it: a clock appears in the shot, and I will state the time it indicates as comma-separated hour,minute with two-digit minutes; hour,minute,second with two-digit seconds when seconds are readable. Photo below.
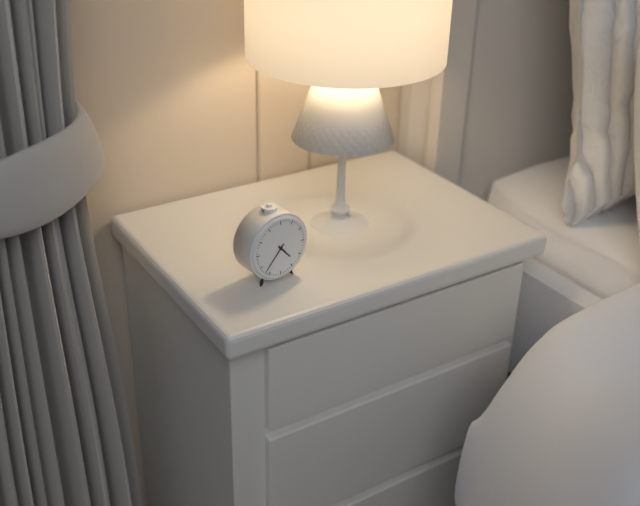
4,37
